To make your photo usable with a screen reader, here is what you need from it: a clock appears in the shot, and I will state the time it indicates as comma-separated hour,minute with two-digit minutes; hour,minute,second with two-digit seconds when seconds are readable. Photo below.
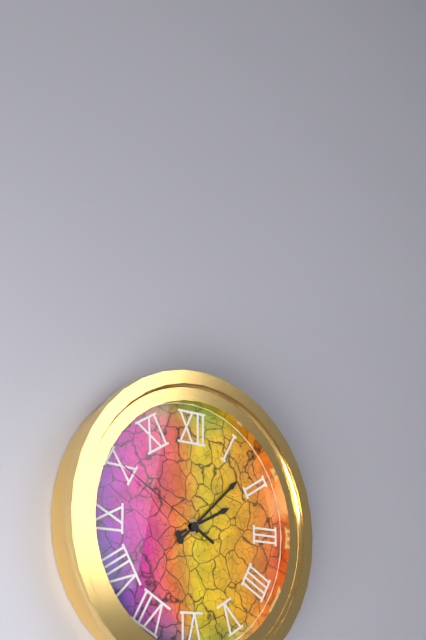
2,08,50
